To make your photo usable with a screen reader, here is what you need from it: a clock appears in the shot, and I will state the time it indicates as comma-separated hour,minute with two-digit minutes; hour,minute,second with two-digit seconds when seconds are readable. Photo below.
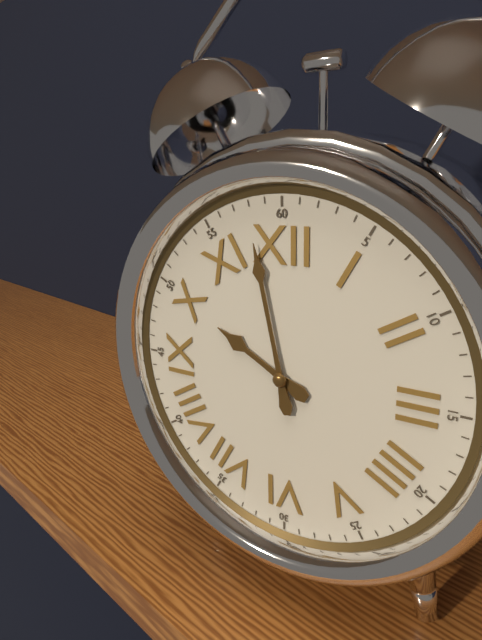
9,58
